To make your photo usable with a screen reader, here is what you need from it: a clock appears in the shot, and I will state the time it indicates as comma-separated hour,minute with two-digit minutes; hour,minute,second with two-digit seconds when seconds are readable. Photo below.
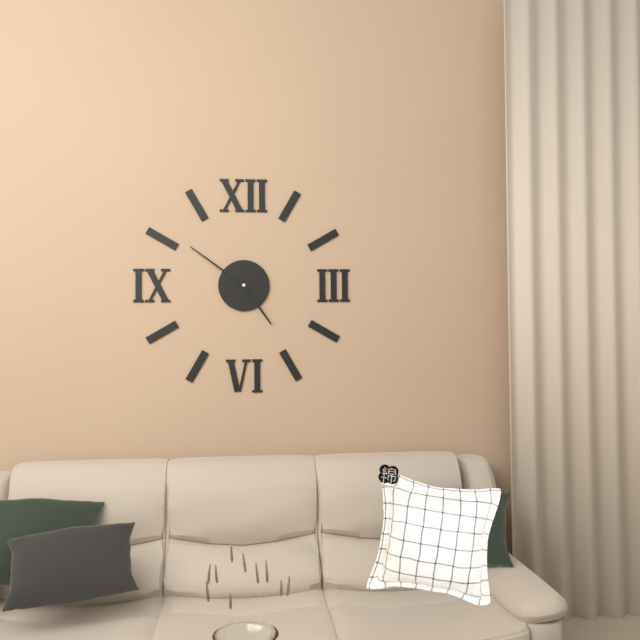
4,51
